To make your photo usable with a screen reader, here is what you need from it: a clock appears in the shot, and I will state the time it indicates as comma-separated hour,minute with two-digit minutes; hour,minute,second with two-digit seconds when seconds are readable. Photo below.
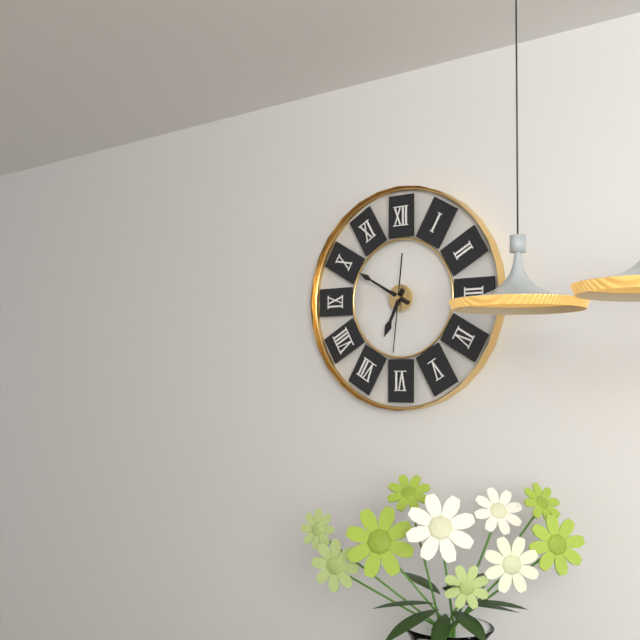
6,50,31
